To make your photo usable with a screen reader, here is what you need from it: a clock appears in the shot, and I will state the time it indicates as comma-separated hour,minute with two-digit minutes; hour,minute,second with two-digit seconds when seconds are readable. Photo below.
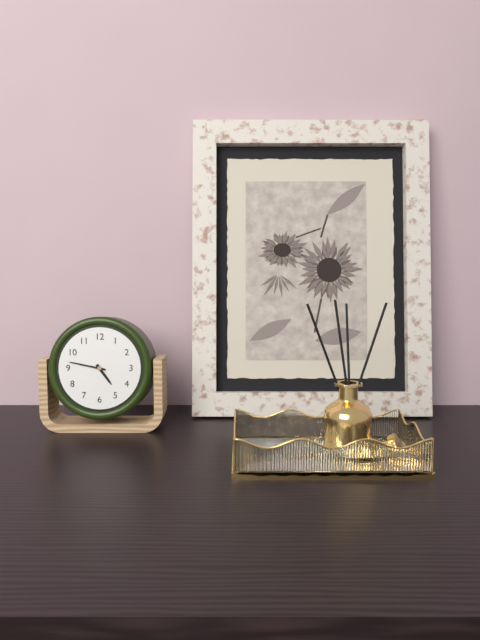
4,47
